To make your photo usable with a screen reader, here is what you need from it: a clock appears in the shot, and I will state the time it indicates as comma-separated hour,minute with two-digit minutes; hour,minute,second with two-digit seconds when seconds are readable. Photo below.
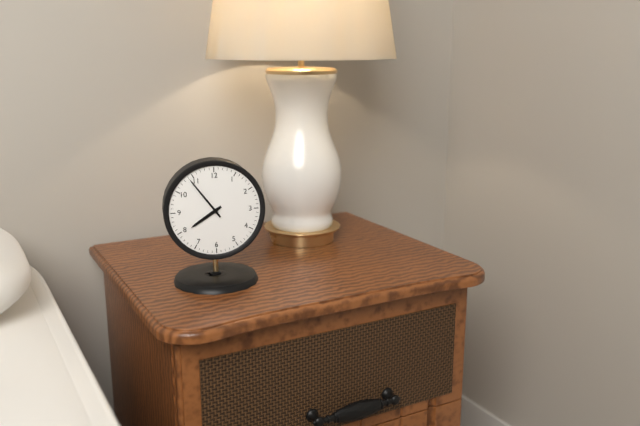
7,54
